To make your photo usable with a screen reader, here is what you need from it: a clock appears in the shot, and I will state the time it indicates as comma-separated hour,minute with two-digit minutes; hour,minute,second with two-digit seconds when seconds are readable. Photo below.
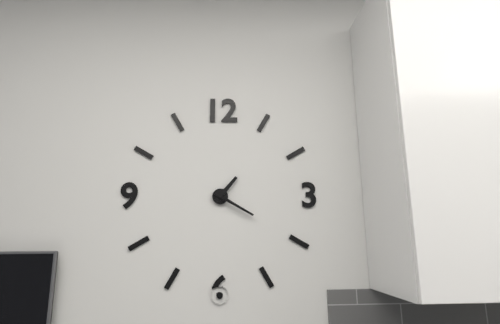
1,20
